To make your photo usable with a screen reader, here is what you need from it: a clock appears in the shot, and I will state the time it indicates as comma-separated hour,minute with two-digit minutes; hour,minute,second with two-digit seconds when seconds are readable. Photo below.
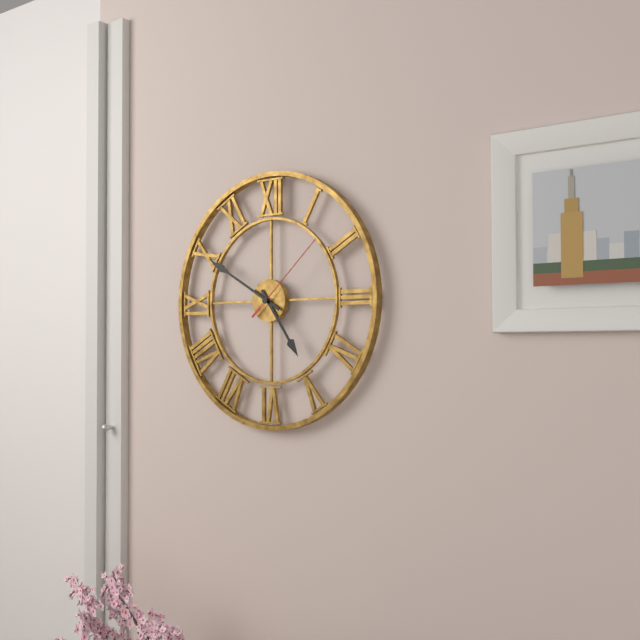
4,50,08
